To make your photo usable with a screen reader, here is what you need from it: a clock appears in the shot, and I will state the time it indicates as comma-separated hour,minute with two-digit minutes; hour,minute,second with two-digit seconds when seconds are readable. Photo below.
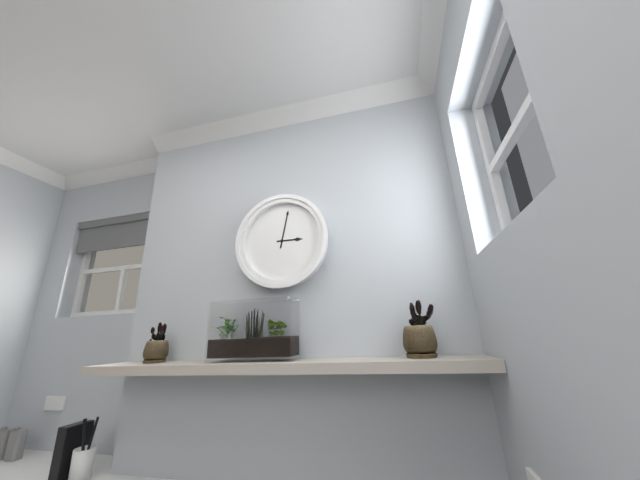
3,02
